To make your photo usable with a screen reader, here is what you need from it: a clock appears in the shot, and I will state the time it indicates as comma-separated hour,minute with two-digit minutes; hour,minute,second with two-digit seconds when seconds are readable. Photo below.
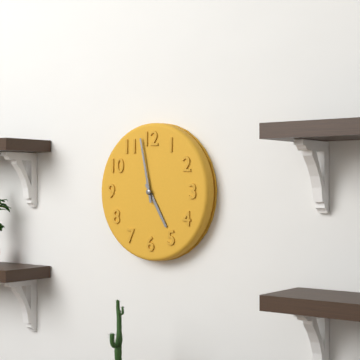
4,58
